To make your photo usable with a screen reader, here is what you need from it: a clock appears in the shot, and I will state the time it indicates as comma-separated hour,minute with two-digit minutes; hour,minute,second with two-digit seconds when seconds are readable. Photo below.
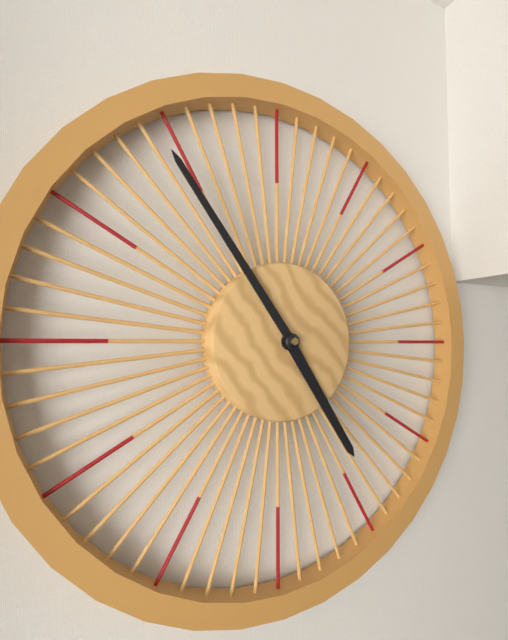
4,54
